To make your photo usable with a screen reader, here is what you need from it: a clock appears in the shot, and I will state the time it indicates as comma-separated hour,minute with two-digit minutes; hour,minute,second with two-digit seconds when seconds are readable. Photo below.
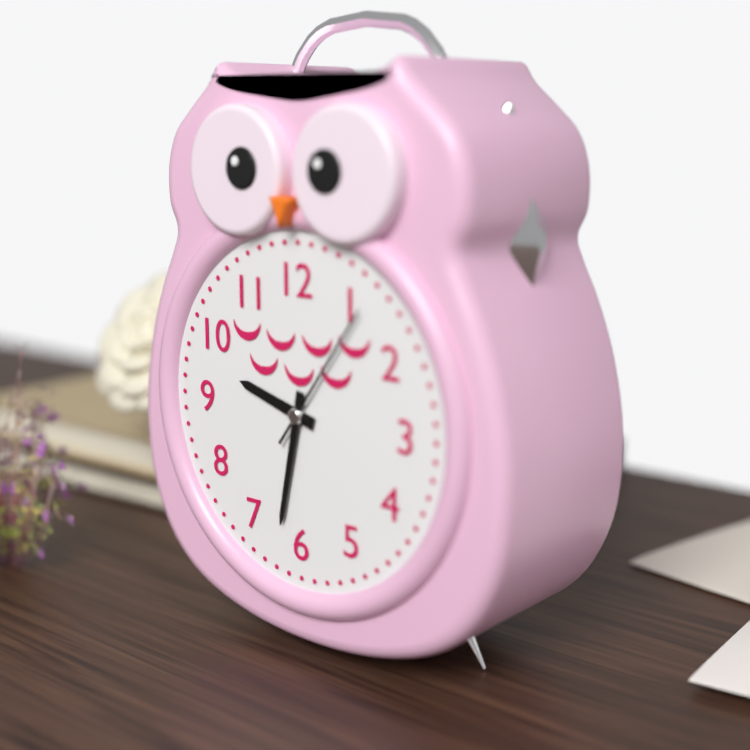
9,32,06
